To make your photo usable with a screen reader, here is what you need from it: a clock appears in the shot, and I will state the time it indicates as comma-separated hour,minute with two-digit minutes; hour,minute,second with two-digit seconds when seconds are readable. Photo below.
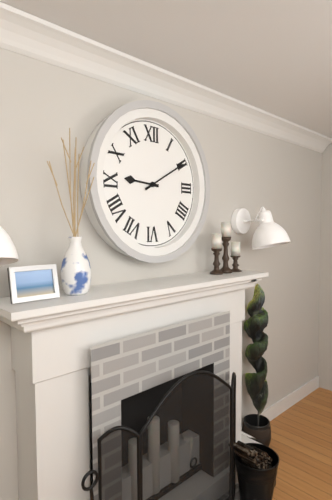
9,10
